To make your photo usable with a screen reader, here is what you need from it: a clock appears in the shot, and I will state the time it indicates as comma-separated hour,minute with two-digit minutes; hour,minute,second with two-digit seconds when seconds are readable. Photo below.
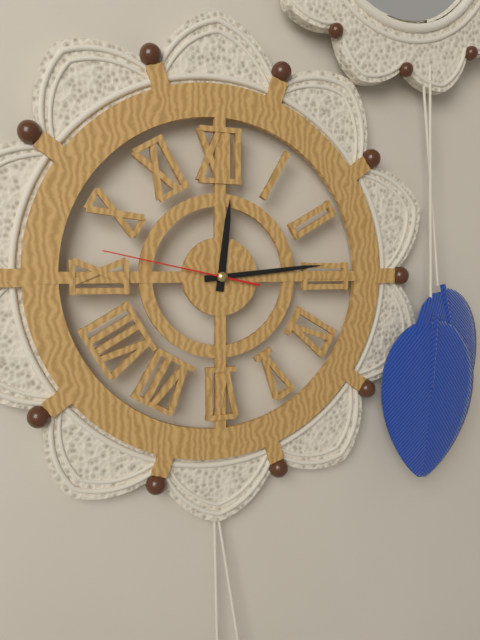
12,14,47
